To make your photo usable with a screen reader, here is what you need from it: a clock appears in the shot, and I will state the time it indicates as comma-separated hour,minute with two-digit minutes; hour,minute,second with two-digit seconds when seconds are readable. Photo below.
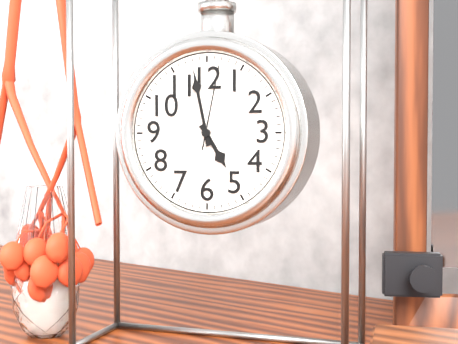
4,58,02
